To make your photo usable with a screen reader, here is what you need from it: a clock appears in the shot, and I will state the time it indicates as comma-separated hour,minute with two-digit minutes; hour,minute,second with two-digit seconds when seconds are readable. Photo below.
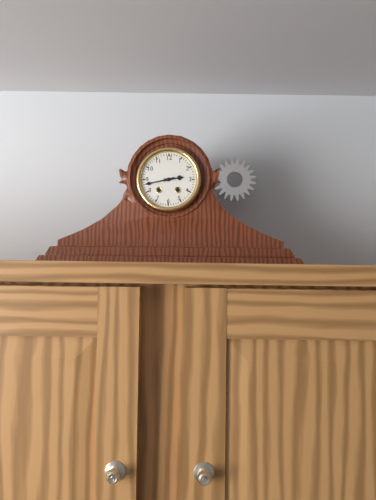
2,43
